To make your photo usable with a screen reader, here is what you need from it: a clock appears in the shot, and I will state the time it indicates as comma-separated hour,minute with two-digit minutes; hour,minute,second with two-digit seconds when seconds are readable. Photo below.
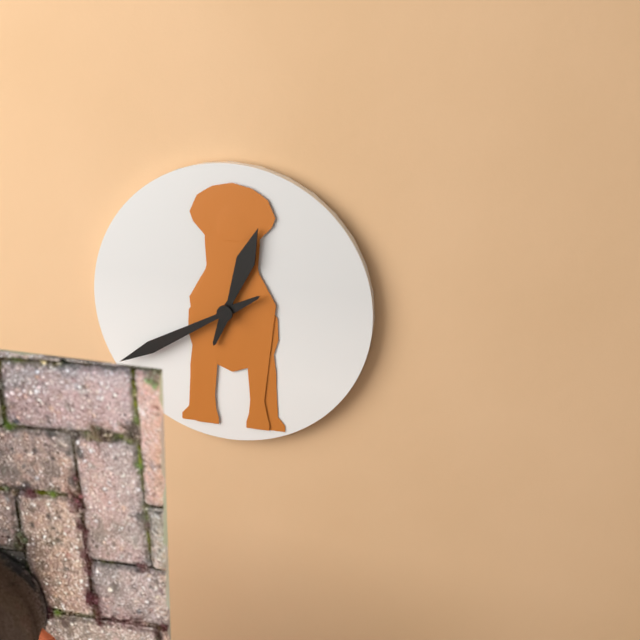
12,40
